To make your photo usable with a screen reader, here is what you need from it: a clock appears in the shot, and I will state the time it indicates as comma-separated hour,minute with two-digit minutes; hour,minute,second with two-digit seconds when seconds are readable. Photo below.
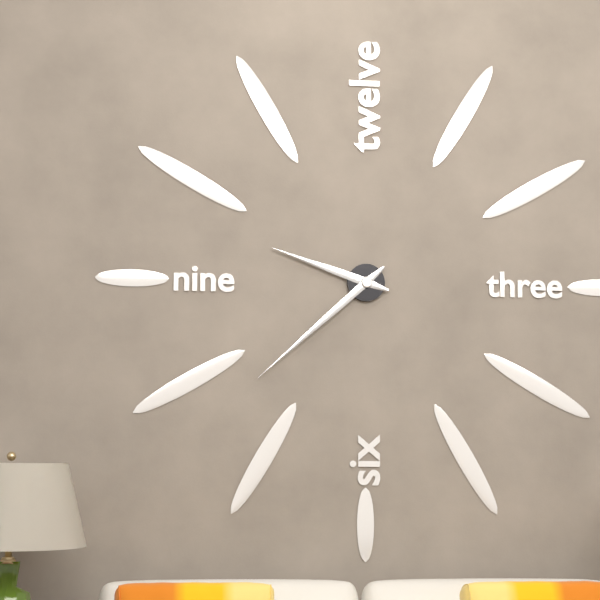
9,38
